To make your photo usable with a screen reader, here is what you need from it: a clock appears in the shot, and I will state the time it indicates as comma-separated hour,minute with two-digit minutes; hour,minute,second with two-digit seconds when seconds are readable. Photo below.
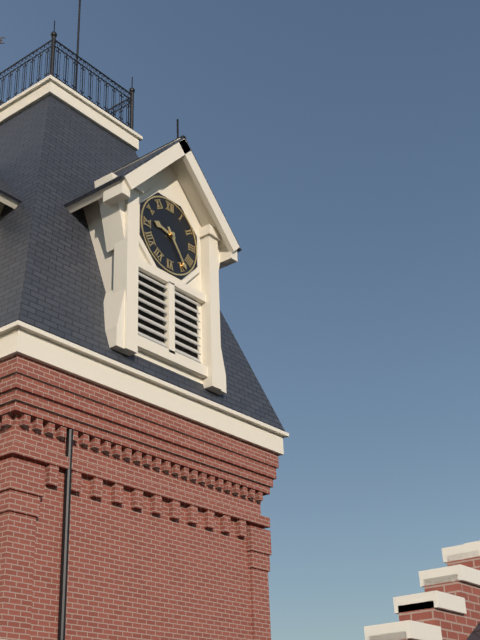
9,24
